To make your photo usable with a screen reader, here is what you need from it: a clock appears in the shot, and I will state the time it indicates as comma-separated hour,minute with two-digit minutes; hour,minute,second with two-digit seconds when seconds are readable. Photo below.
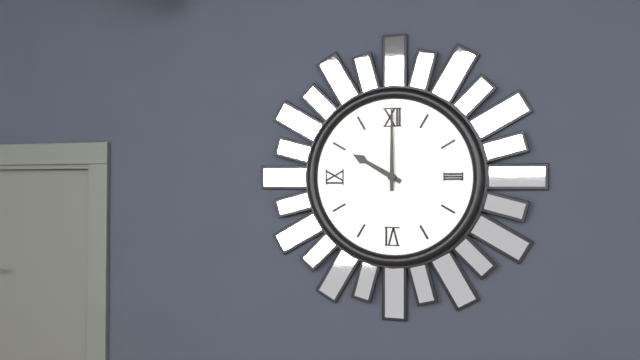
10,00
